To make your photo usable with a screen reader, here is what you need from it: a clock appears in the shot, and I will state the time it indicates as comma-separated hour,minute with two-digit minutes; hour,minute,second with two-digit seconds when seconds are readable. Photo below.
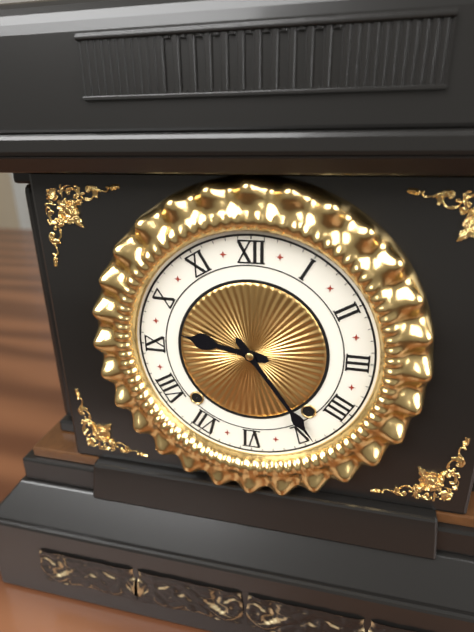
9,24
